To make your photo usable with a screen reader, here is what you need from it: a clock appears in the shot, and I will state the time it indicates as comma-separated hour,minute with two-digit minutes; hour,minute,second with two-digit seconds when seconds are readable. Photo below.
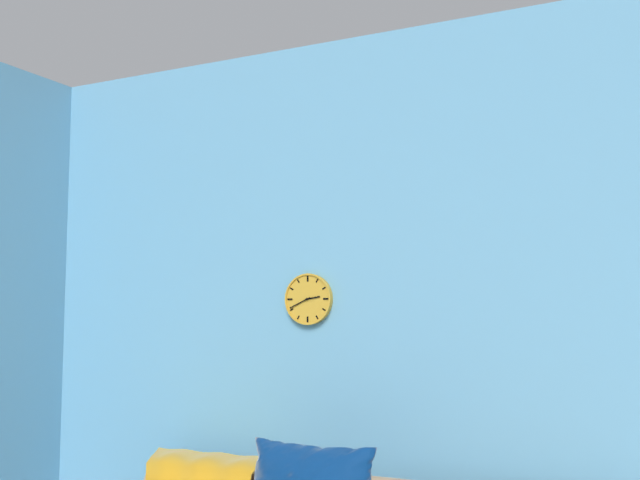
2,41
